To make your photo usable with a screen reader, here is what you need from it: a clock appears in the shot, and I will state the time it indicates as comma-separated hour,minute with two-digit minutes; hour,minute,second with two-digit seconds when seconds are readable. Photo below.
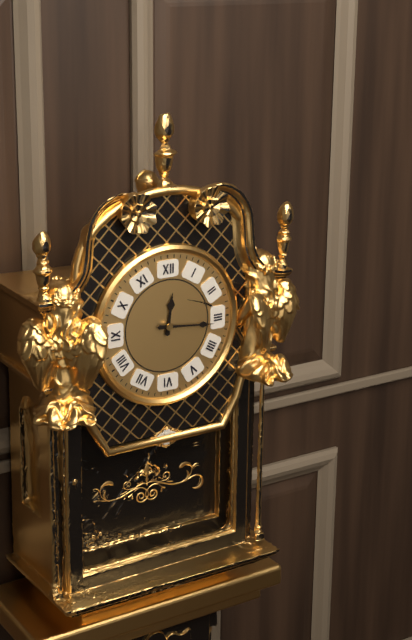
12,16
